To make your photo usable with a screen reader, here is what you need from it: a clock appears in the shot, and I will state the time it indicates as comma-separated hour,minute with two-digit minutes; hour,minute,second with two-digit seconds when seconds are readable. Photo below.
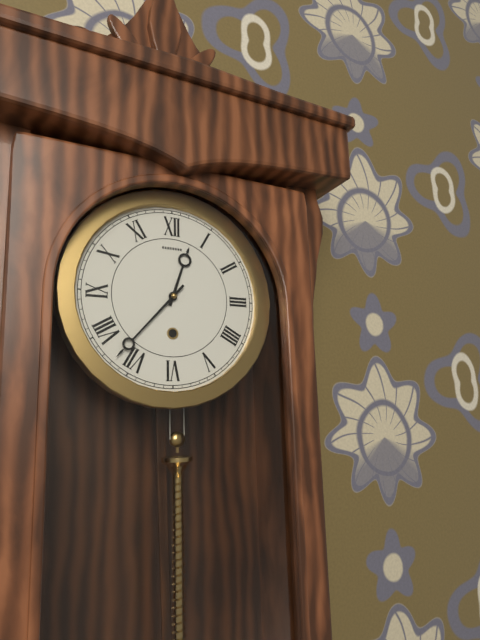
12,37
